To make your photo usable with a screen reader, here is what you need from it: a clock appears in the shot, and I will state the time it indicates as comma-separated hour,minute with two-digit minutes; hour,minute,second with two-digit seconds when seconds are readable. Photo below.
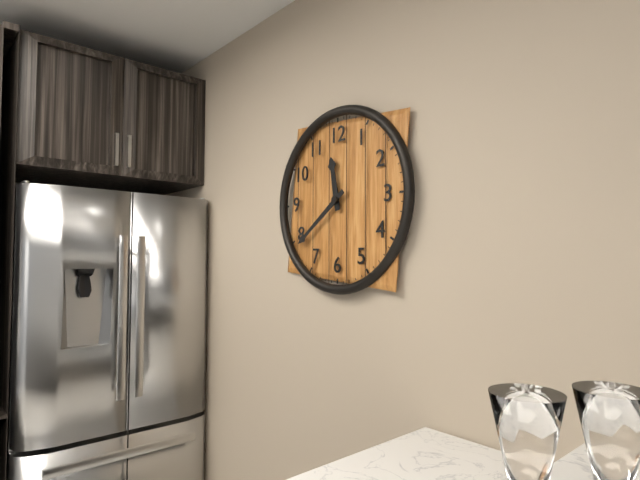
11,39
